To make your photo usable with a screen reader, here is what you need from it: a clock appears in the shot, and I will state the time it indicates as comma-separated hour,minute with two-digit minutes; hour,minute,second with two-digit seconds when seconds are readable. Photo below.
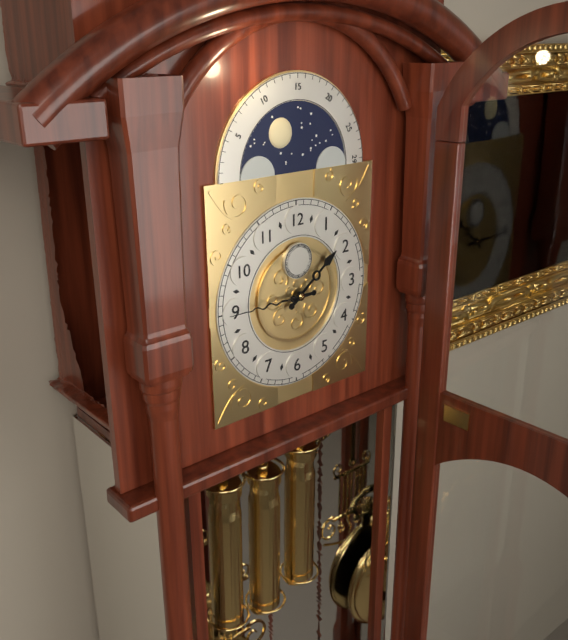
1,45
